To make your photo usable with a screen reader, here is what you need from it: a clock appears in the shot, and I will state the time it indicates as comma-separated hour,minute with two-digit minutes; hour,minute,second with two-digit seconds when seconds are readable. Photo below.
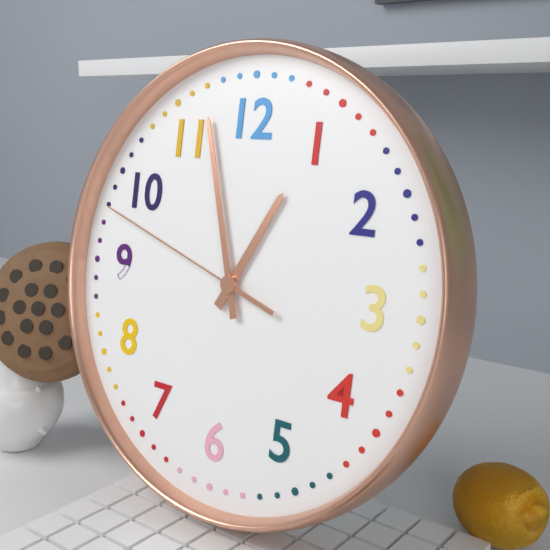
12,57,48
